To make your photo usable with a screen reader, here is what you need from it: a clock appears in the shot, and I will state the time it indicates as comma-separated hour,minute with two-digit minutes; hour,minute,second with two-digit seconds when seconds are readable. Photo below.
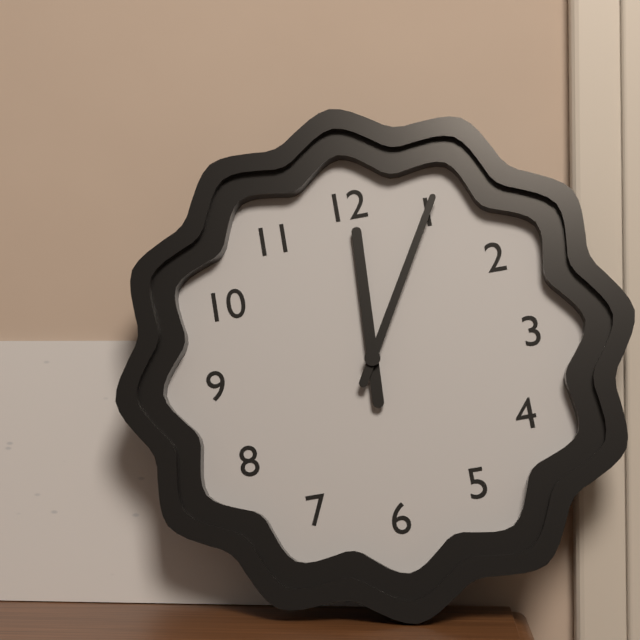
12,05
